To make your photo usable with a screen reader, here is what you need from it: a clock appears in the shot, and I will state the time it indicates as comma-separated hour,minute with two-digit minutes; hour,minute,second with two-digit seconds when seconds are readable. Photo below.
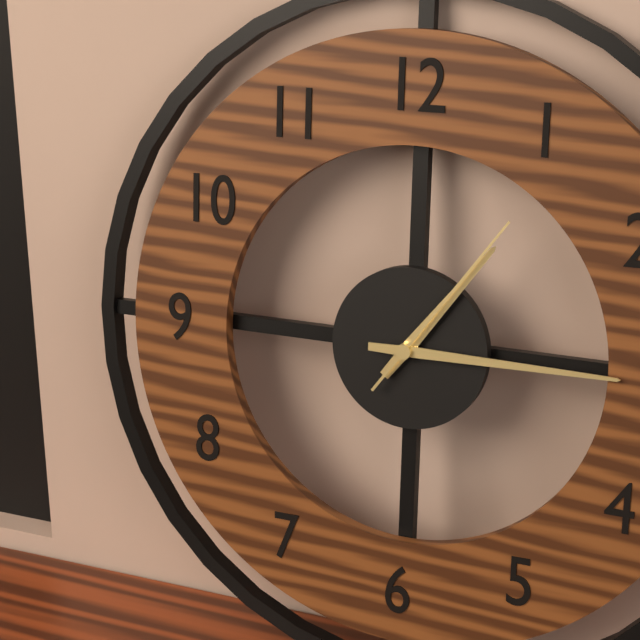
1,15,06
